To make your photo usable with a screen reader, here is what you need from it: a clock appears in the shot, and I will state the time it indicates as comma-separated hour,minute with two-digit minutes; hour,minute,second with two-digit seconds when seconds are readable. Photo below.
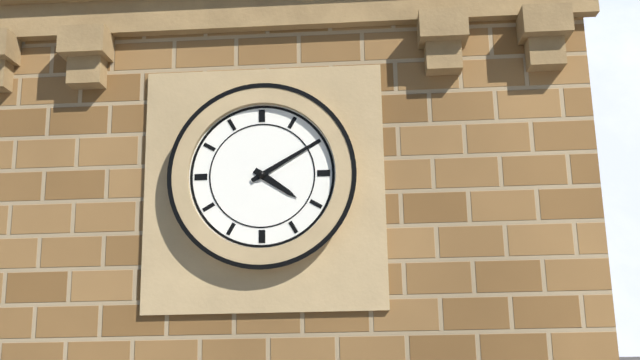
4,10
